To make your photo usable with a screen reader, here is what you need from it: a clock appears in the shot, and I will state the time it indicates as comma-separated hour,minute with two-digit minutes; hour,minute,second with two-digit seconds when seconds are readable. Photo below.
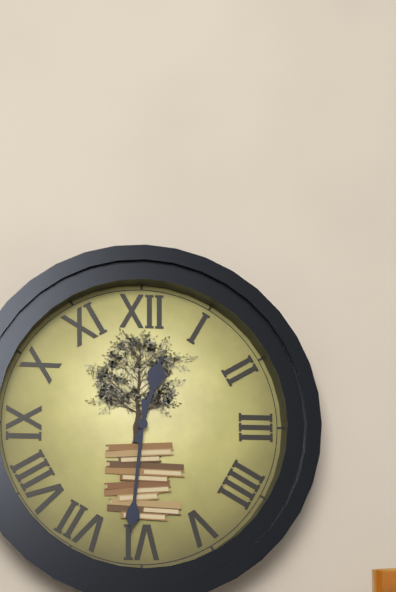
12,31
